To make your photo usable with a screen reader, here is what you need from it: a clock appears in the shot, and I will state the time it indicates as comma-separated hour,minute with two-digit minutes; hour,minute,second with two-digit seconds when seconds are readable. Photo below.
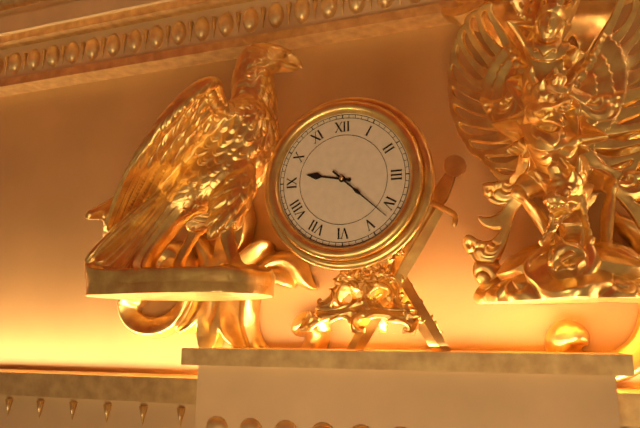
9,22
